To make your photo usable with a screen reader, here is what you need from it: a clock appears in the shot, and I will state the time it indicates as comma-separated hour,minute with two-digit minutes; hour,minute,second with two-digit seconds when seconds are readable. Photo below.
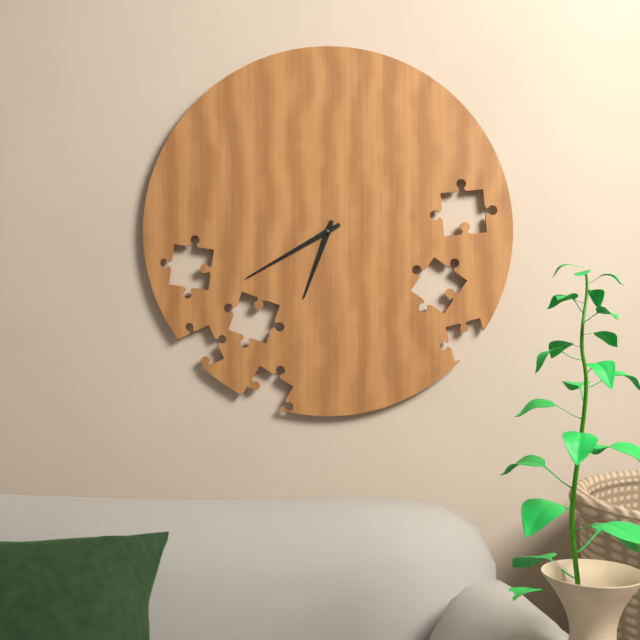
6,40
